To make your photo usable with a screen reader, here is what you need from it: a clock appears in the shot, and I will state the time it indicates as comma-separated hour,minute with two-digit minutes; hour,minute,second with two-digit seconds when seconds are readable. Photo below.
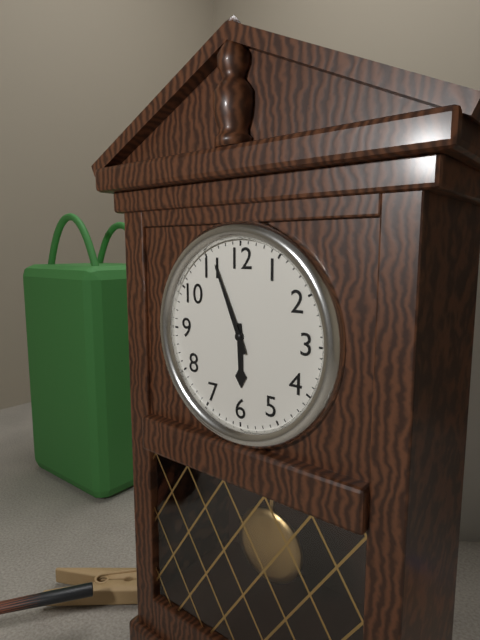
5,56
